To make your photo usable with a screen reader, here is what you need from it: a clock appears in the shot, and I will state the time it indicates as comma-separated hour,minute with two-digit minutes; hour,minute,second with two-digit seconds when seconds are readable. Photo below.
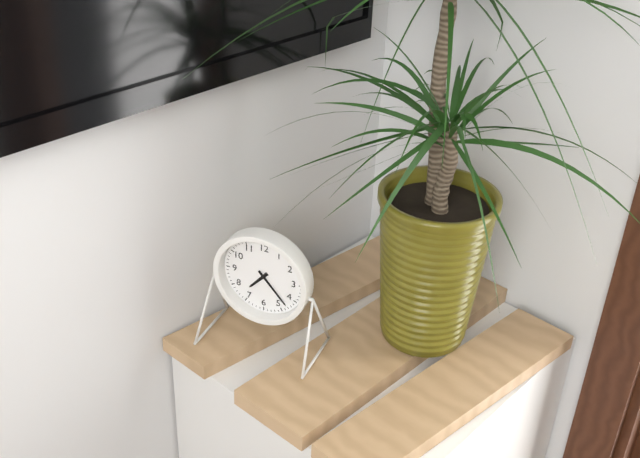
7,23
